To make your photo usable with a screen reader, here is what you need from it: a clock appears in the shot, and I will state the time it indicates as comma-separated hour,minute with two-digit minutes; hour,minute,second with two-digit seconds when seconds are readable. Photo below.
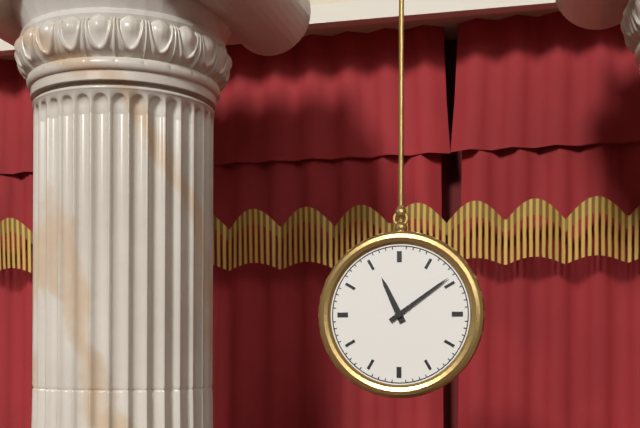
11,09
